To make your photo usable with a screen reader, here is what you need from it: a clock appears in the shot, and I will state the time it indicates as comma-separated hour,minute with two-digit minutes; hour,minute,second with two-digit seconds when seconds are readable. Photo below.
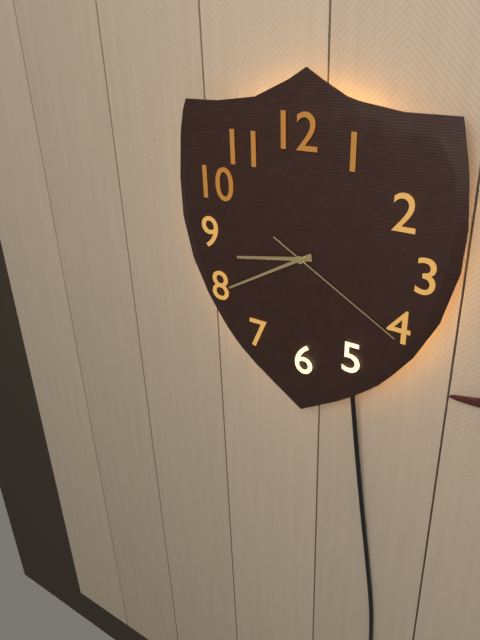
8,40,20
